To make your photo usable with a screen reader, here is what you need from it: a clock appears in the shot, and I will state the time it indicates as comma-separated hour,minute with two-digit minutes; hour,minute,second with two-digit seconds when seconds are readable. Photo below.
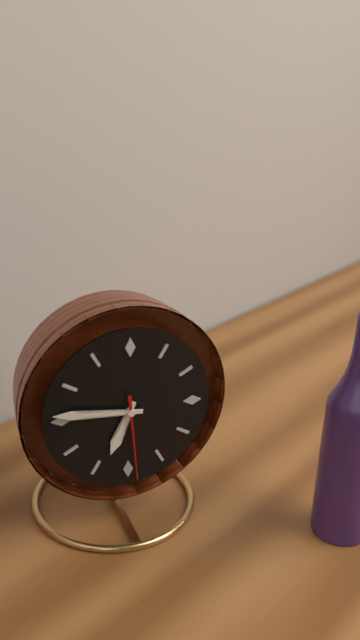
6,46,29
